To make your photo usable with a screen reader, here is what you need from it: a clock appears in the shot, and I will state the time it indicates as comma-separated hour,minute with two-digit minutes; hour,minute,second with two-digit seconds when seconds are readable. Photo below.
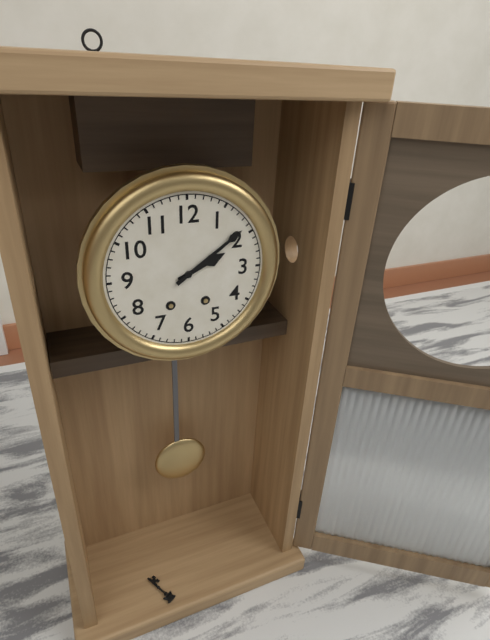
2,09
